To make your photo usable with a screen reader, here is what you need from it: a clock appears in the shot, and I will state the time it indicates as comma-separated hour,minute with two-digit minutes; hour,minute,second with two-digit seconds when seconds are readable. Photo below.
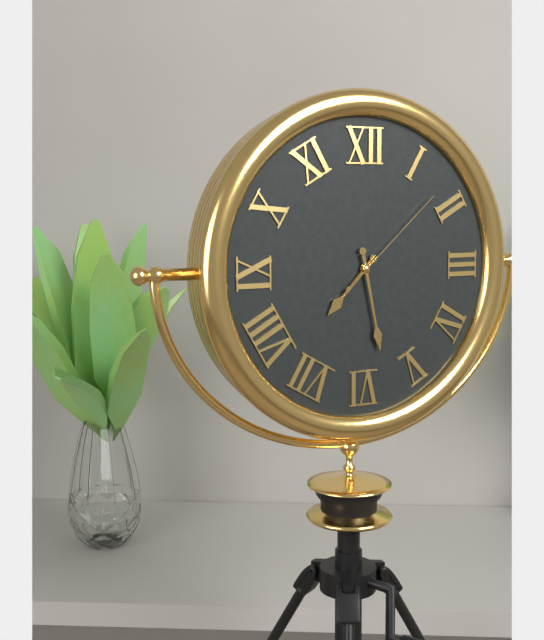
7,28,08
